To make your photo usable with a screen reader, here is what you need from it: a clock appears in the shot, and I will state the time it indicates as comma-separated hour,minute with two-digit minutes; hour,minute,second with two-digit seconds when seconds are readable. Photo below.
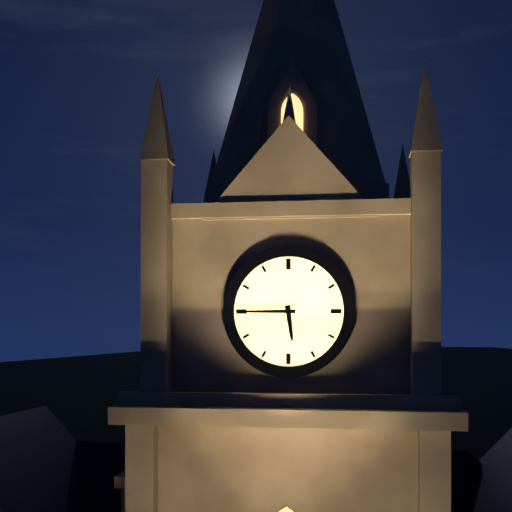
5,45
